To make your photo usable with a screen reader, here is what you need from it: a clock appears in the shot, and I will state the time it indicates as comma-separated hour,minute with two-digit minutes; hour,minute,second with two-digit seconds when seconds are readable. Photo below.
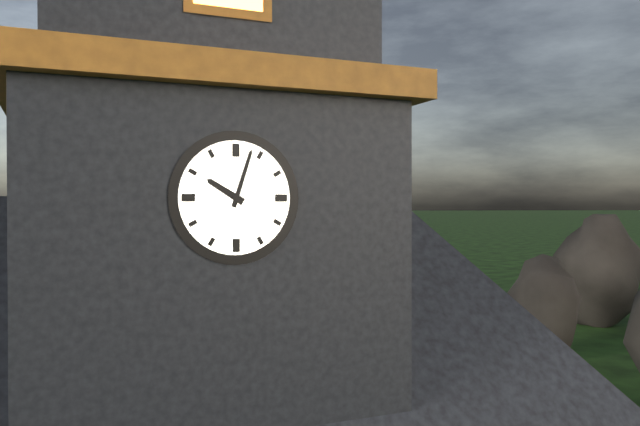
10,03
